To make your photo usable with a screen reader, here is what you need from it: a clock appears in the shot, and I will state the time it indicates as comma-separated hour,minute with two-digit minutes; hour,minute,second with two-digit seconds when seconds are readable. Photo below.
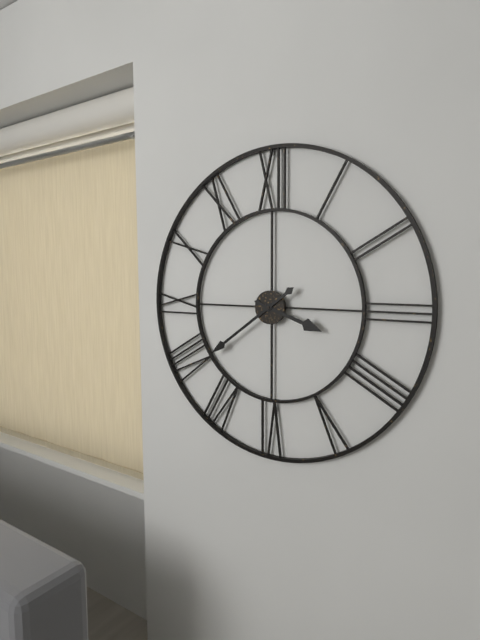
3,39
